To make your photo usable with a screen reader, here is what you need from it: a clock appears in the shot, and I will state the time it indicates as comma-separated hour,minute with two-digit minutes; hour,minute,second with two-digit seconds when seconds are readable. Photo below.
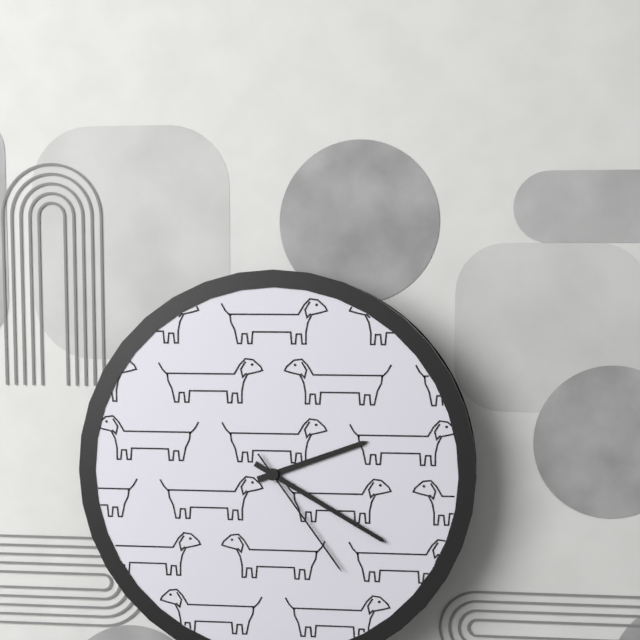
2,20,24
